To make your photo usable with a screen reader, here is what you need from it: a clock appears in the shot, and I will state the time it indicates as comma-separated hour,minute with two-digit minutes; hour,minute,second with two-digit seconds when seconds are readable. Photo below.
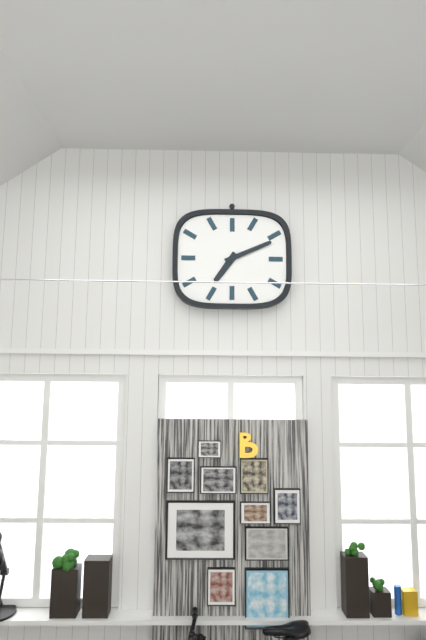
7,11
